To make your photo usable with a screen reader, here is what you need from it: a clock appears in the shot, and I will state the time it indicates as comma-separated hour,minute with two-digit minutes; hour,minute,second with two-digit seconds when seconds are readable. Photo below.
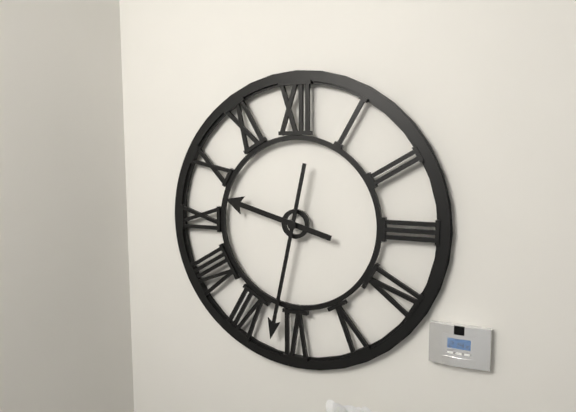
9,32
